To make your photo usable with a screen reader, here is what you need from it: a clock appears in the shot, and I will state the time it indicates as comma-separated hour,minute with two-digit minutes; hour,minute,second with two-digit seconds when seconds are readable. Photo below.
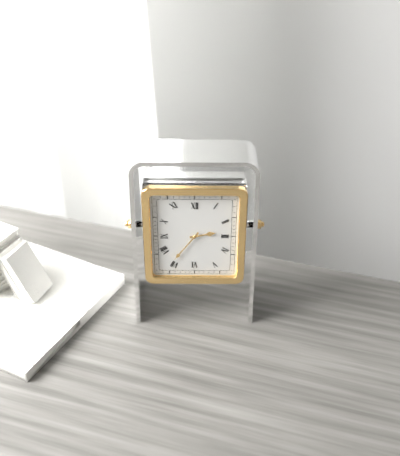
2,36
